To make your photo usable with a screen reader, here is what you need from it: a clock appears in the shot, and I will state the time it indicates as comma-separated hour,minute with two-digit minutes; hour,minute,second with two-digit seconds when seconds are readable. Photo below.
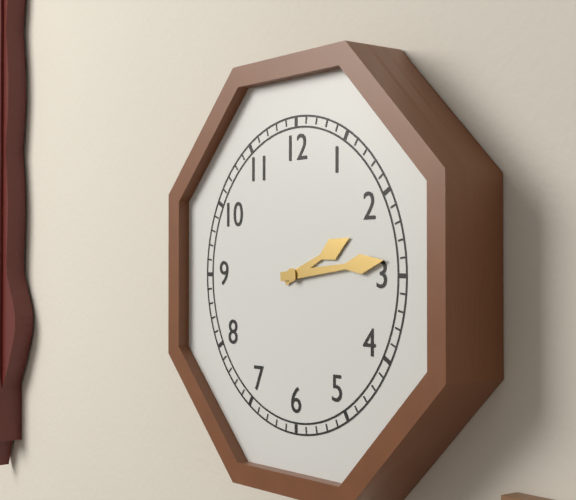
2,14
